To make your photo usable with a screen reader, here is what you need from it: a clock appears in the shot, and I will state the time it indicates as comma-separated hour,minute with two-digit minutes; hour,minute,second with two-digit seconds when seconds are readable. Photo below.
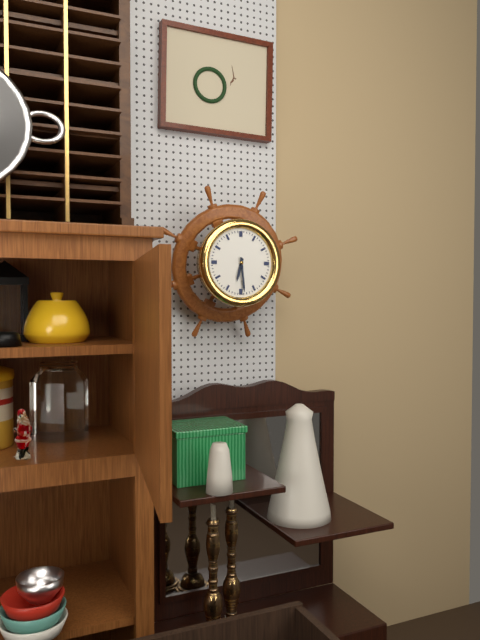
6,29
